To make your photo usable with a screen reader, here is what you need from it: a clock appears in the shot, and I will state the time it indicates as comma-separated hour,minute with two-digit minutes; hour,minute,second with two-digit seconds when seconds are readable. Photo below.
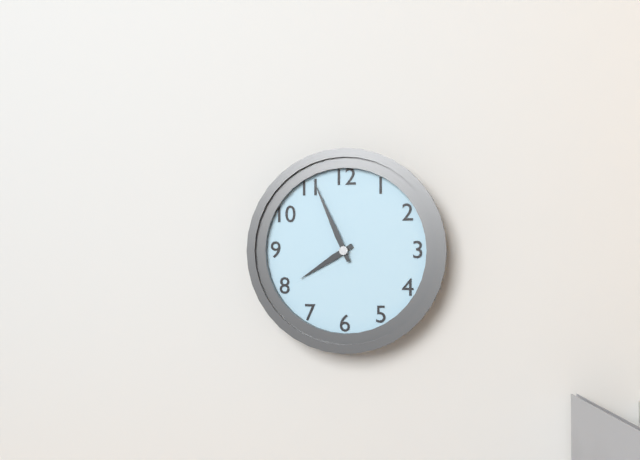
7,56
